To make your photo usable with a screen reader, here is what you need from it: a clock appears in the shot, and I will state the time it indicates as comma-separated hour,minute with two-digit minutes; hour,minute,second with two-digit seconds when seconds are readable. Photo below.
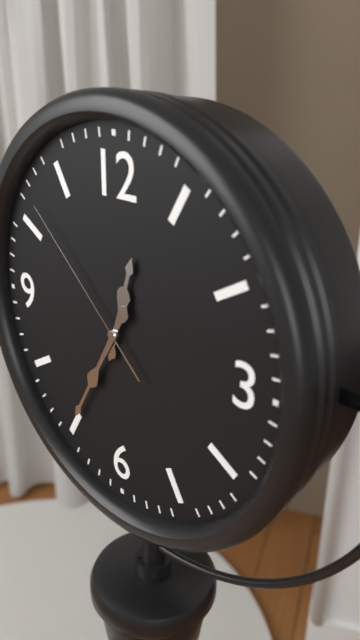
12,35,52
